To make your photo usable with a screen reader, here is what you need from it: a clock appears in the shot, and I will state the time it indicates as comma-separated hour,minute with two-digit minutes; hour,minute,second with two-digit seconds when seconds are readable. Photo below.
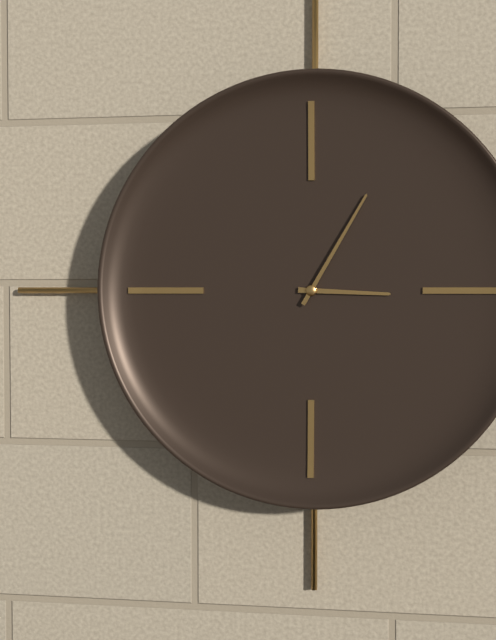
3,05
